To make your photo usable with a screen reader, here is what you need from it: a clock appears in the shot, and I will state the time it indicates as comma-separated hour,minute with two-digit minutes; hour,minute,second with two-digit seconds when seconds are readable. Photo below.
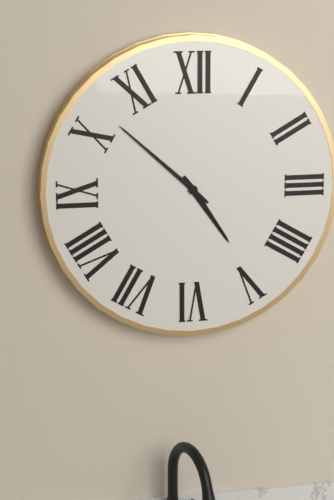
4,52
